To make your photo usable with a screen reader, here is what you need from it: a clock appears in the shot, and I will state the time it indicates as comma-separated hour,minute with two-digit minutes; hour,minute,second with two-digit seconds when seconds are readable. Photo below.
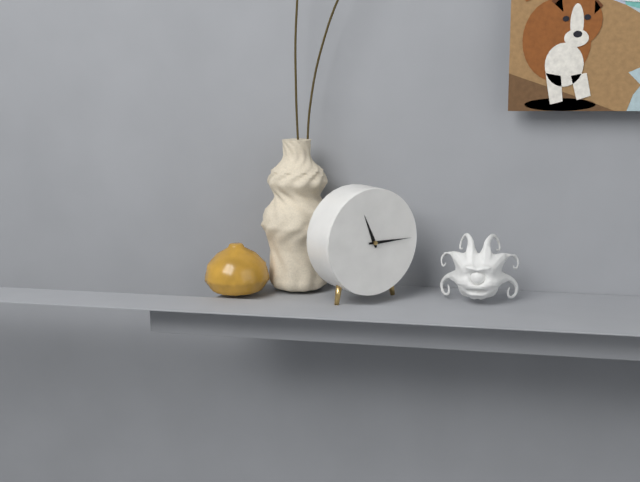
11,15
